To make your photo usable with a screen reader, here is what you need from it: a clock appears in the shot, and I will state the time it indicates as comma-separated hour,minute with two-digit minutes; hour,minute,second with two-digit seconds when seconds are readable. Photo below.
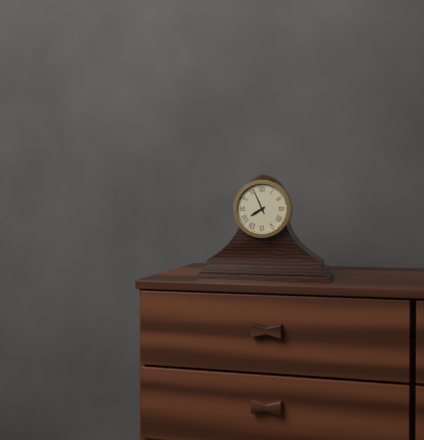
7,56
